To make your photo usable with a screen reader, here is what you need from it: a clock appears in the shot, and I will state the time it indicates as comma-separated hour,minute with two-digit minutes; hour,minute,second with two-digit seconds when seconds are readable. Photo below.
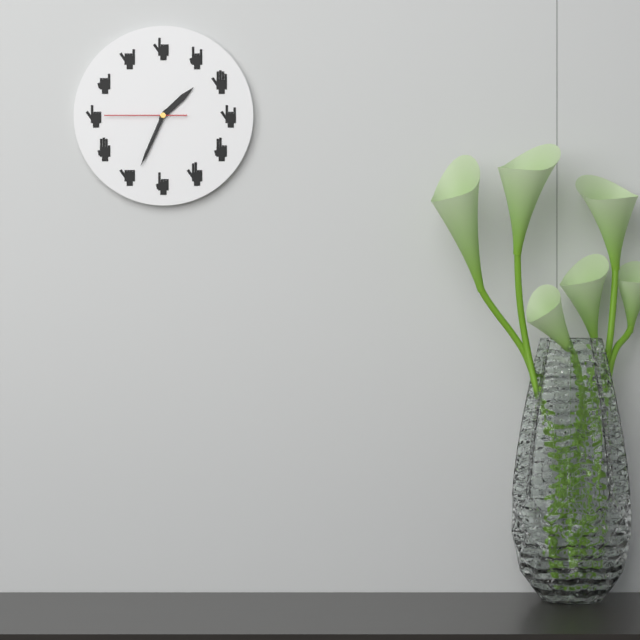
1,34,45
